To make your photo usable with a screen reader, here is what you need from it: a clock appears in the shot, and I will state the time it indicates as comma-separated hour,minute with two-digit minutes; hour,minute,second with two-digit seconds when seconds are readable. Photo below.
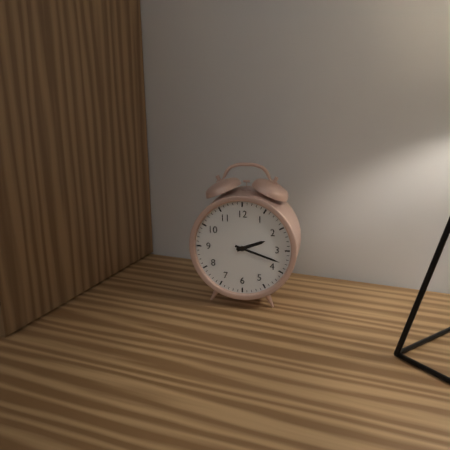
2,18
